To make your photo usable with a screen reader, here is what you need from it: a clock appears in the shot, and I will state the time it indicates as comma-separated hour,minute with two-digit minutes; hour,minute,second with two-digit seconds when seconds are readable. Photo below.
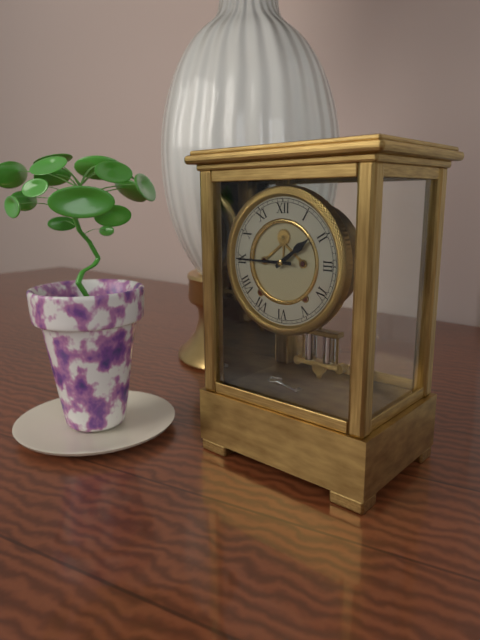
1,45
